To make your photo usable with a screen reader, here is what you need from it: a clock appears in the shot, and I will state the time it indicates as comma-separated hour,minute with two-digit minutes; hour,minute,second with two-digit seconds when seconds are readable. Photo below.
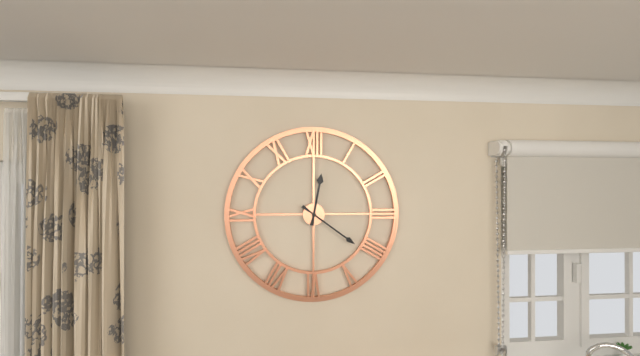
12,21
